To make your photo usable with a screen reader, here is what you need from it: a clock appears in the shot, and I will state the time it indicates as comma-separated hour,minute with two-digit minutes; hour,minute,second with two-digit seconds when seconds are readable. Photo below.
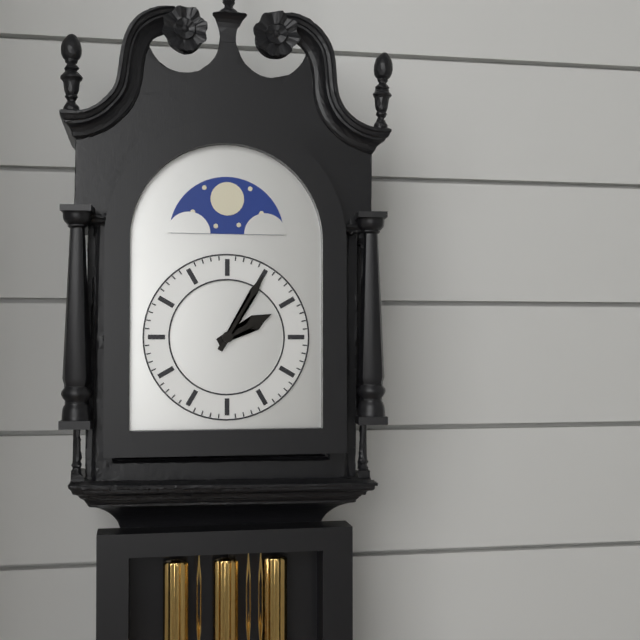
2,05
